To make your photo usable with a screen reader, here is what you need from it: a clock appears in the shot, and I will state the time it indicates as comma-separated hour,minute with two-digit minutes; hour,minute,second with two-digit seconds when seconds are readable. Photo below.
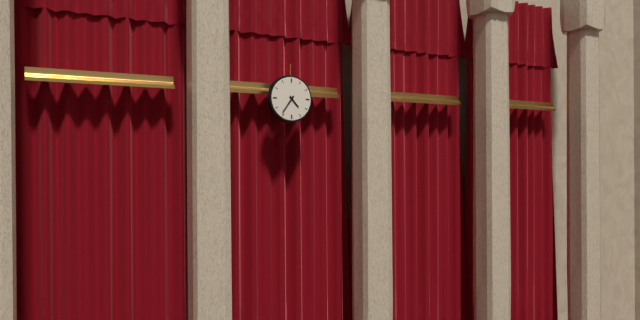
4,36
